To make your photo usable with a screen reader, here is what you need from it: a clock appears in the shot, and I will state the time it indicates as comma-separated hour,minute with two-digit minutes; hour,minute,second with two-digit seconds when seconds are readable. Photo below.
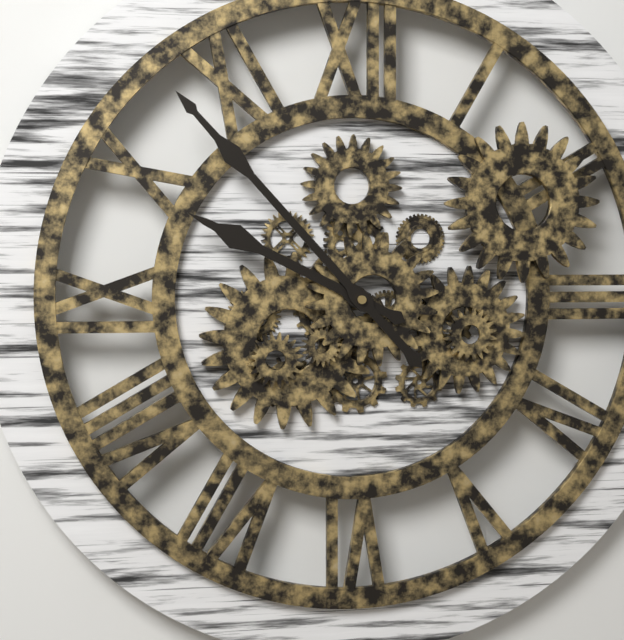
9,53
